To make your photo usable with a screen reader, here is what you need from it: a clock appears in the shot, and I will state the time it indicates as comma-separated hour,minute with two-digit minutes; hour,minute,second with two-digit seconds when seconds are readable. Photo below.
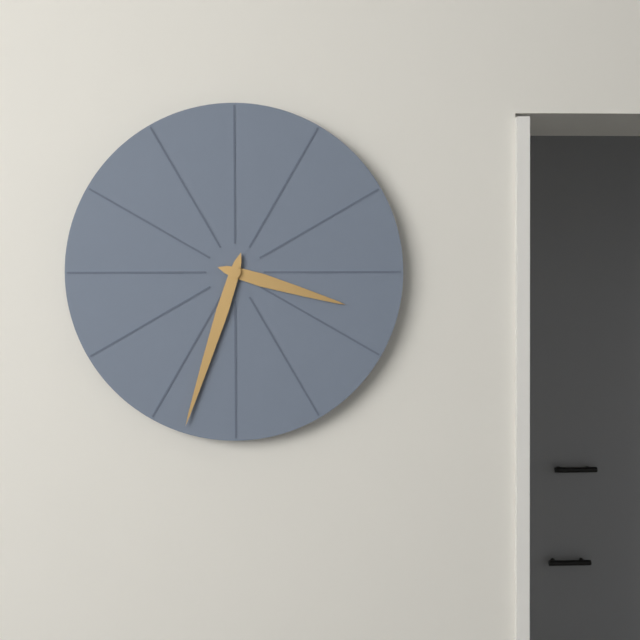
3,33
